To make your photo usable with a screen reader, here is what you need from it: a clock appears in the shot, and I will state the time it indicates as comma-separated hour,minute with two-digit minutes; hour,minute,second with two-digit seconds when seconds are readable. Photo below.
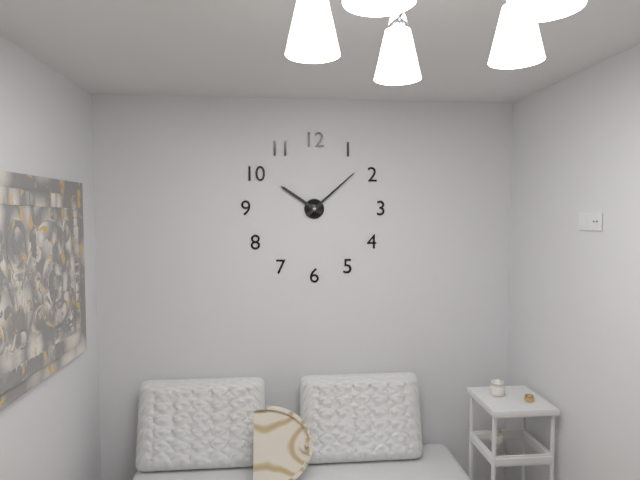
10,08
